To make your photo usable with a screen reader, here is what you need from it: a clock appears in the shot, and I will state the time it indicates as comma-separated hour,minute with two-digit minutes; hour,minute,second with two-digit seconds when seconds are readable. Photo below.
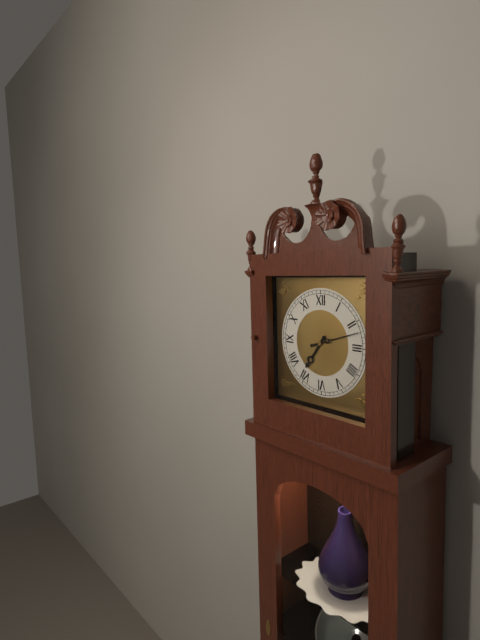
7,12
